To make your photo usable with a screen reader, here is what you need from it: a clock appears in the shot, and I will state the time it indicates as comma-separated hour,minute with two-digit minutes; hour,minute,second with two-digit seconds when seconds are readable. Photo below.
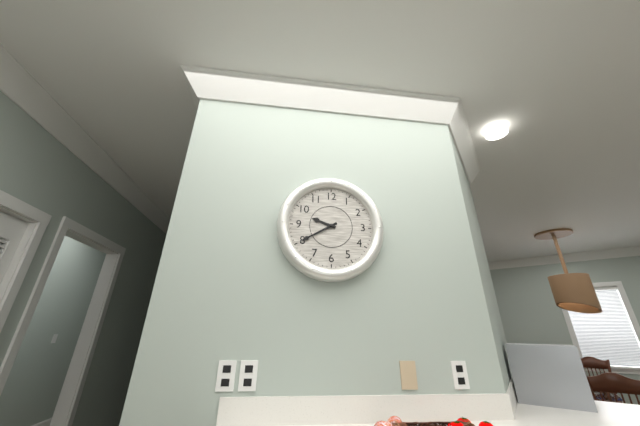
9,40
